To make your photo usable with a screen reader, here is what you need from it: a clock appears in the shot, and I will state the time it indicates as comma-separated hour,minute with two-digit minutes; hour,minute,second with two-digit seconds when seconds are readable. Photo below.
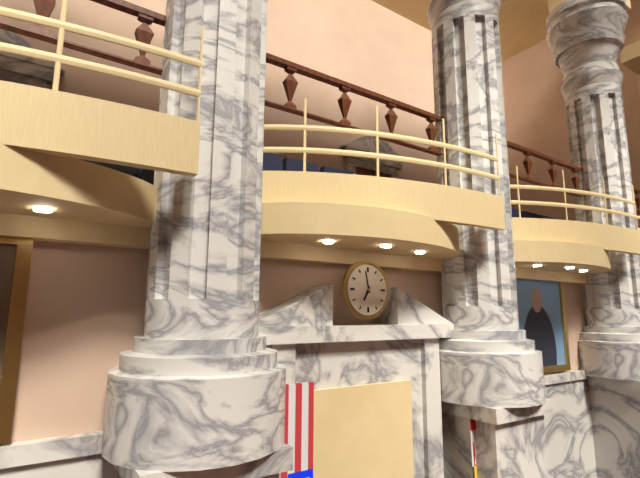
6,58
